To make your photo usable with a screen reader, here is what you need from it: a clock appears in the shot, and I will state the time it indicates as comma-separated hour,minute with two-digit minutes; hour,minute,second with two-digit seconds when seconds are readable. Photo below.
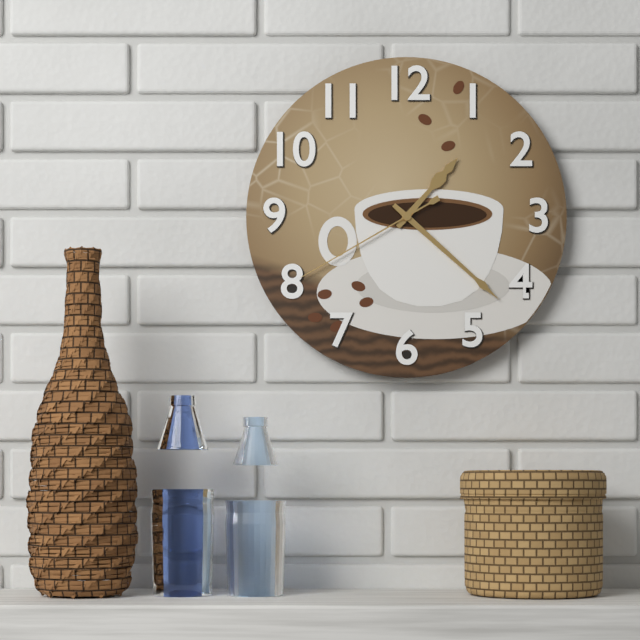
1,22,40
